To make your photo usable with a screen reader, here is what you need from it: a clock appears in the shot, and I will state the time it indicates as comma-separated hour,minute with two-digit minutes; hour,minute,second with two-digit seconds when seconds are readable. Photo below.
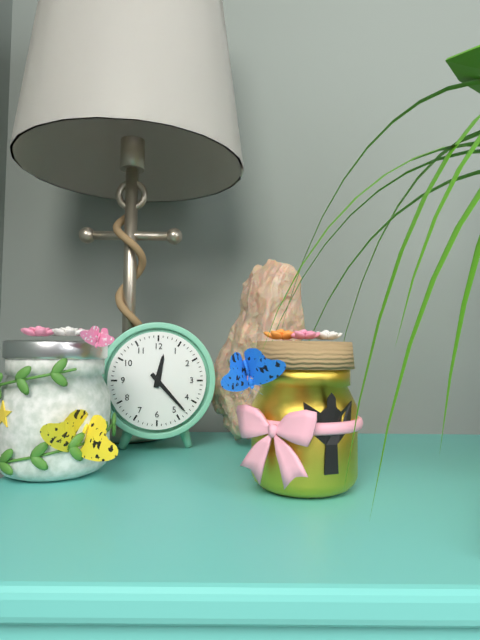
12,23
